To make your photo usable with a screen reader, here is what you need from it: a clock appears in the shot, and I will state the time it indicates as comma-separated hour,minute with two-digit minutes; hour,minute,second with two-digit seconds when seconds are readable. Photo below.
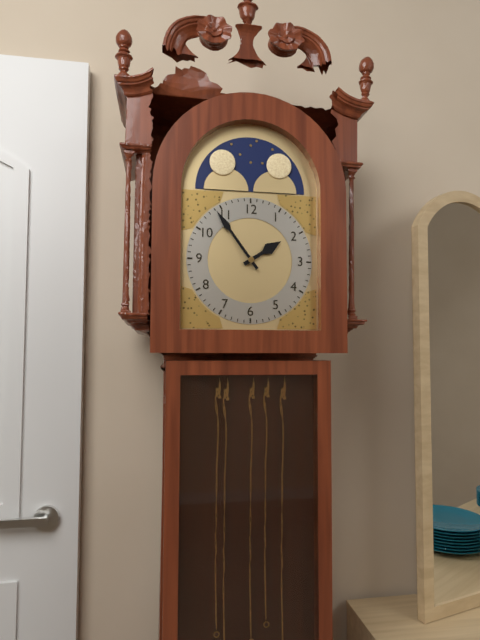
1,54
